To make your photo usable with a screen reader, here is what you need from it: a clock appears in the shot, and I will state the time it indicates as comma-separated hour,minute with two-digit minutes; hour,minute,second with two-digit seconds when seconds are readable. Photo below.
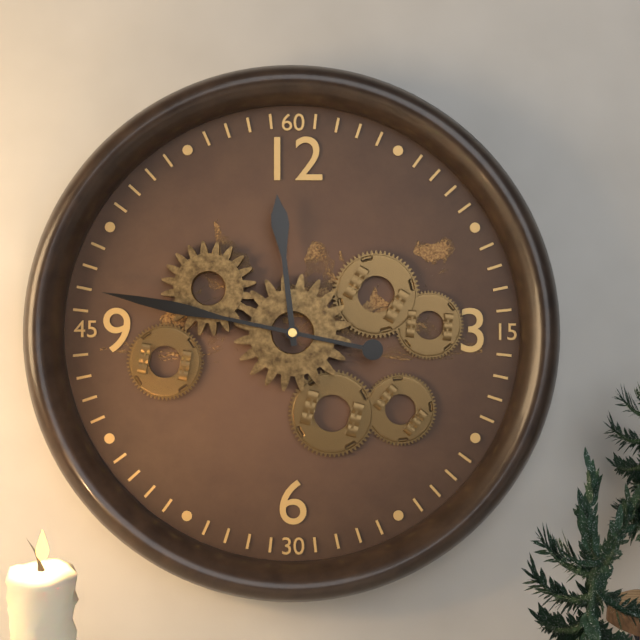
11,47
